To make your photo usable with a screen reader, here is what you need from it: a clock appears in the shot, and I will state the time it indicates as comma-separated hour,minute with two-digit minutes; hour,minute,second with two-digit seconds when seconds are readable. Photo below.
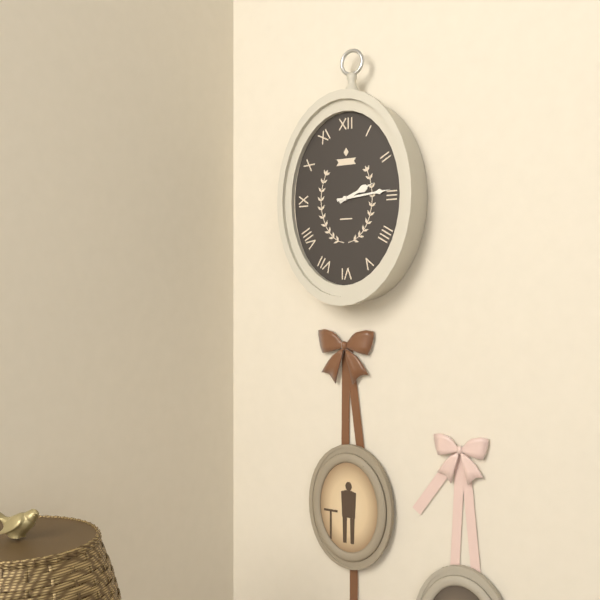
2,14
